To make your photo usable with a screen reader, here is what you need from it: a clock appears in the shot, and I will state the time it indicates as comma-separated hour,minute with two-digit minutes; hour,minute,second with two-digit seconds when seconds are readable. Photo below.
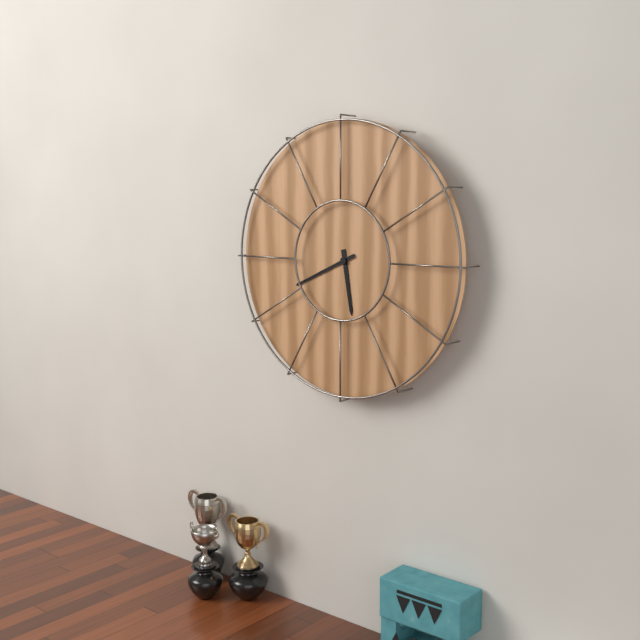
5,41
